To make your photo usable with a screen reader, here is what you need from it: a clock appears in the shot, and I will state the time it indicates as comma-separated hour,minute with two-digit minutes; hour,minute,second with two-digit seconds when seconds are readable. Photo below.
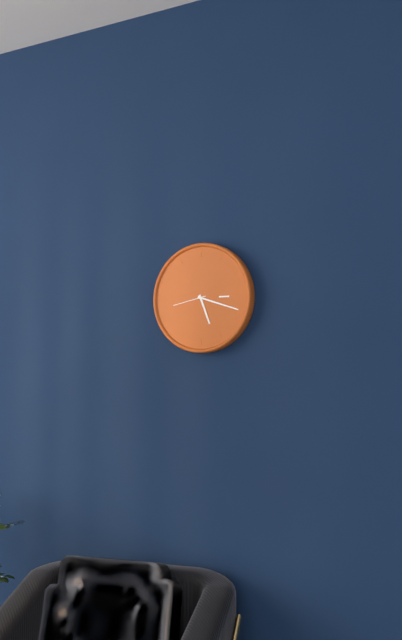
5,18
